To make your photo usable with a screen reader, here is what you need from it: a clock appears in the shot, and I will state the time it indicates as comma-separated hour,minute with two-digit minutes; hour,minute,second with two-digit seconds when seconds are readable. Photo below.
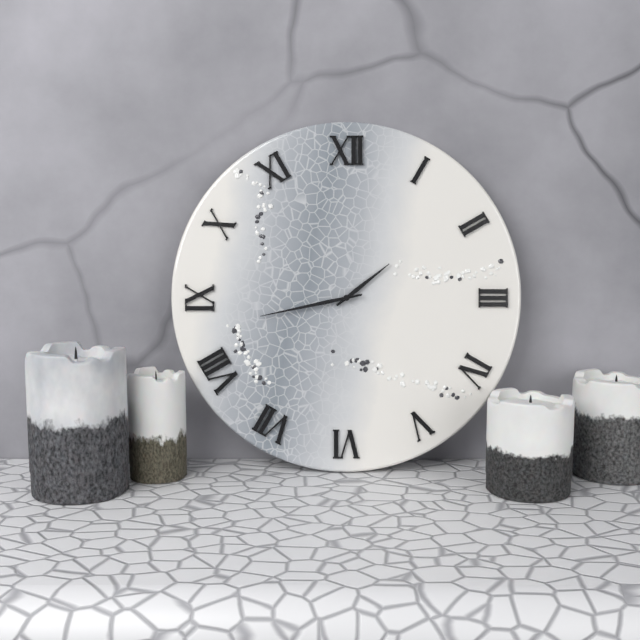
1,43
